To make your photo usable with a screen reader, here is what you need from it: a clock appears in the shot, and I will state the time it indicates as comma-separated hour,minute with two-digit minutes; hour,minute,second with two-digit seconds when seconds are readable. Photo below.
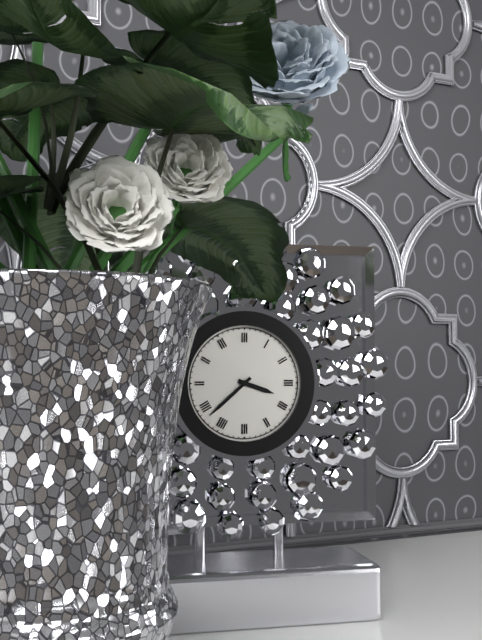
3,38
